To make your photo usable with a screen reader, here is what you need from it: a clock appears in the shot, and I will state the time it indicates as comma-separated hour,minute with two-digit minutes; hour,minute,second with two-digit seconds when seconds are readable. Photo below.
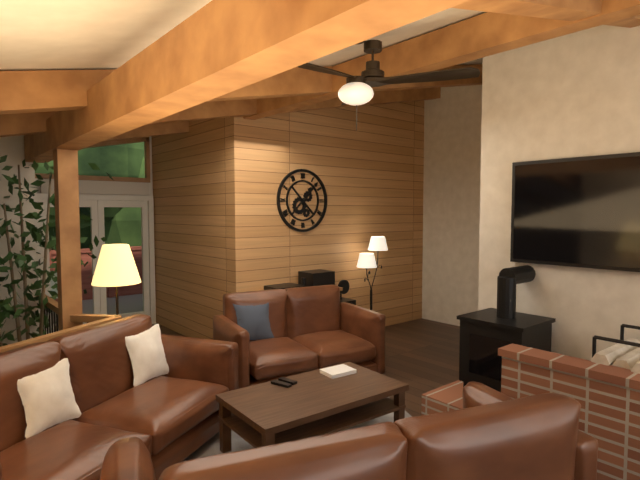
1,07
